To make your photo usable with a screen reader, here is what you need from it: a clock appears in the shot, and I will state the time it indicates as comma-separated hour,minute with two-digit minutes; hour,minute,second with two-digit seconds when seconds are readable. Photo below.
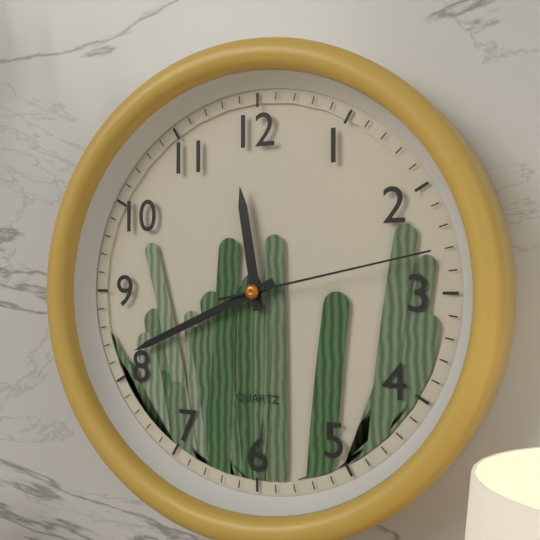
11,41,13
